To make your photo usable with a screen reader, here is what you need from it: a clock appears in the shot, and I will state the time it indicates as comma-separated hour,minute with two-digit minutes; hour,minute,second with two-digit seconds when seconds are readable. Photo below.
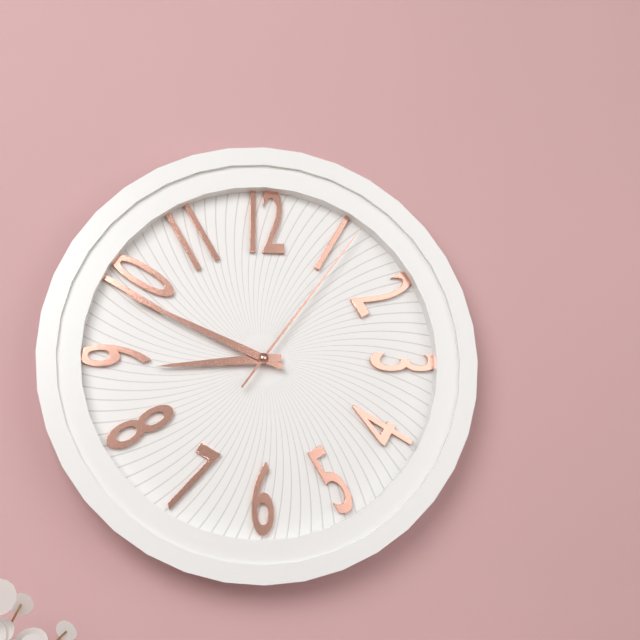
8,49,06
